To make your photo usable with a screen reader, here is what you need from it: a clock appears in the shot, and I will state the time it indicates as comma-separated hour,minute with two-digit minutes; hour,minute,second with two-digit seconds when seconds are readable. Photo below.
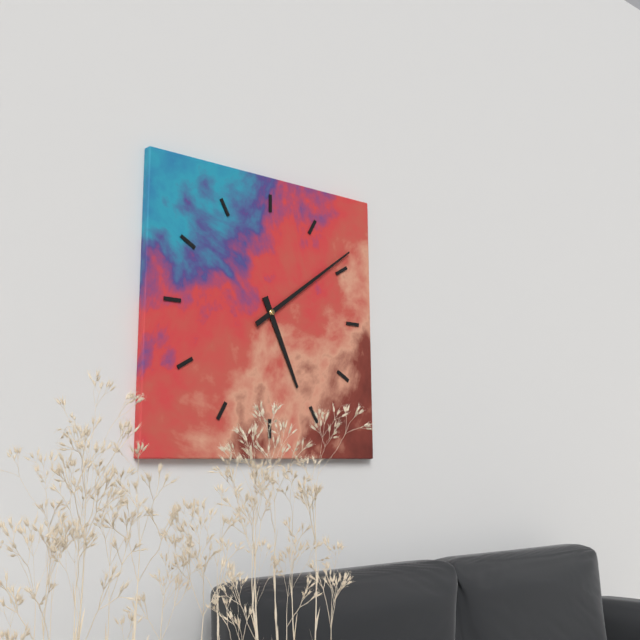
5,09
